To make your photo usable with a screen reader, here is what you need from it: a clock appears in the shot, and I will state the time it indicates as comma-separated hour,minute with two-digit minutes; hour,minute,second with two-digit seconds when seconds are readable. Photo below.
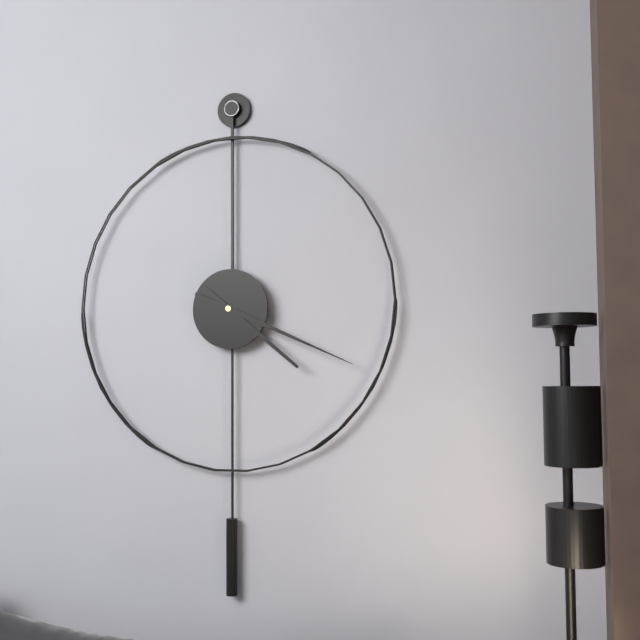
4,19
